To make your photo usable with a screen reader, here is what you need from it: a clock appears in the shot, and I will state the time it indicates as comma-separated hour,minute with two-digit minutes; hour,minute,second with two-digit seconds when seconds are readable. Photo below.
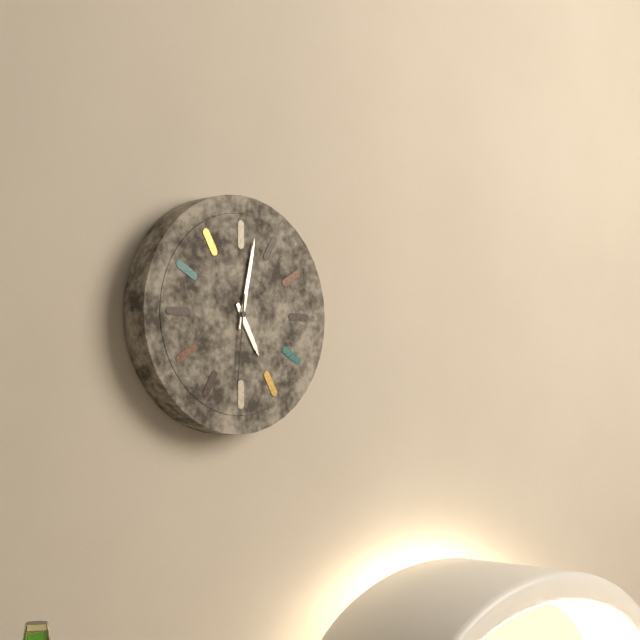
5,02,31
